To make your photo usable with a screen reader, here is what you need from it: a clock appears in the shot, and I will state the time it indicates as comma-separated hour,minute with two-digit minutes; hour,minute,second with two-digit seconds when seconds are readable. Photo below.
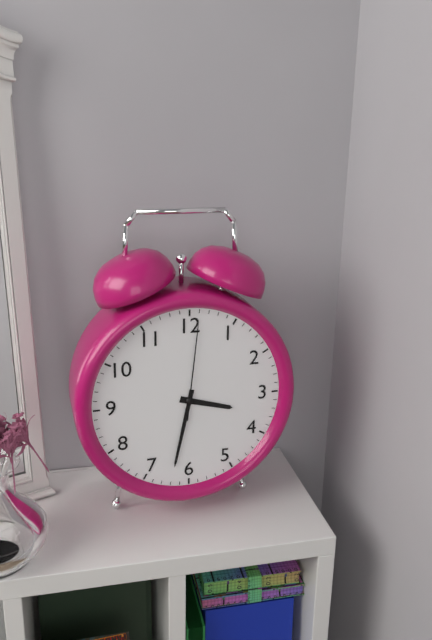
3,32,01
